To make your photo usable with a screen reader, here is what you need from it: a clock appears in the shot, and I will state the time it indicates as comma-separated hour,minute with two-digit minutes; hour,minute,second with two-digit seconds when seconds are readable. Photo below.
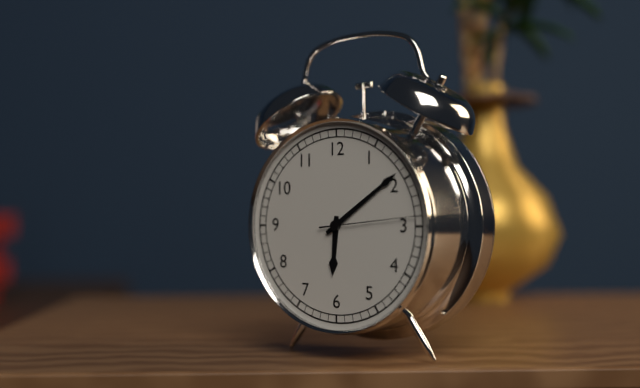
6,09,14
